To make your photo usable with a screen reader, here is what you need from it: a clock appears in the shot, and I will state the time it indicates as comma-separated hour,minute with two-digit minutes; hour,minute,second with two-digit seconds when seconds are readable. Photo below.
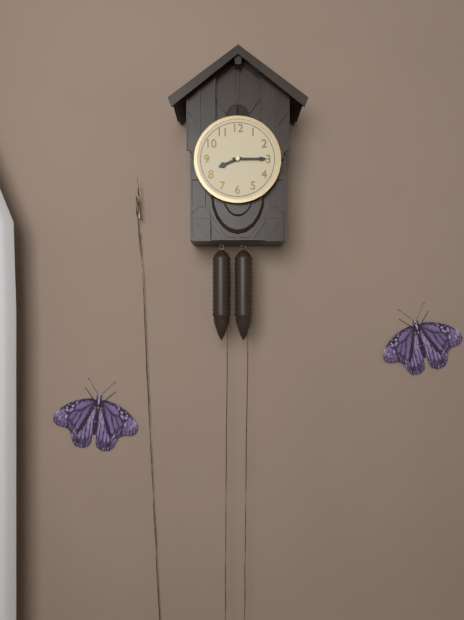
8,15
